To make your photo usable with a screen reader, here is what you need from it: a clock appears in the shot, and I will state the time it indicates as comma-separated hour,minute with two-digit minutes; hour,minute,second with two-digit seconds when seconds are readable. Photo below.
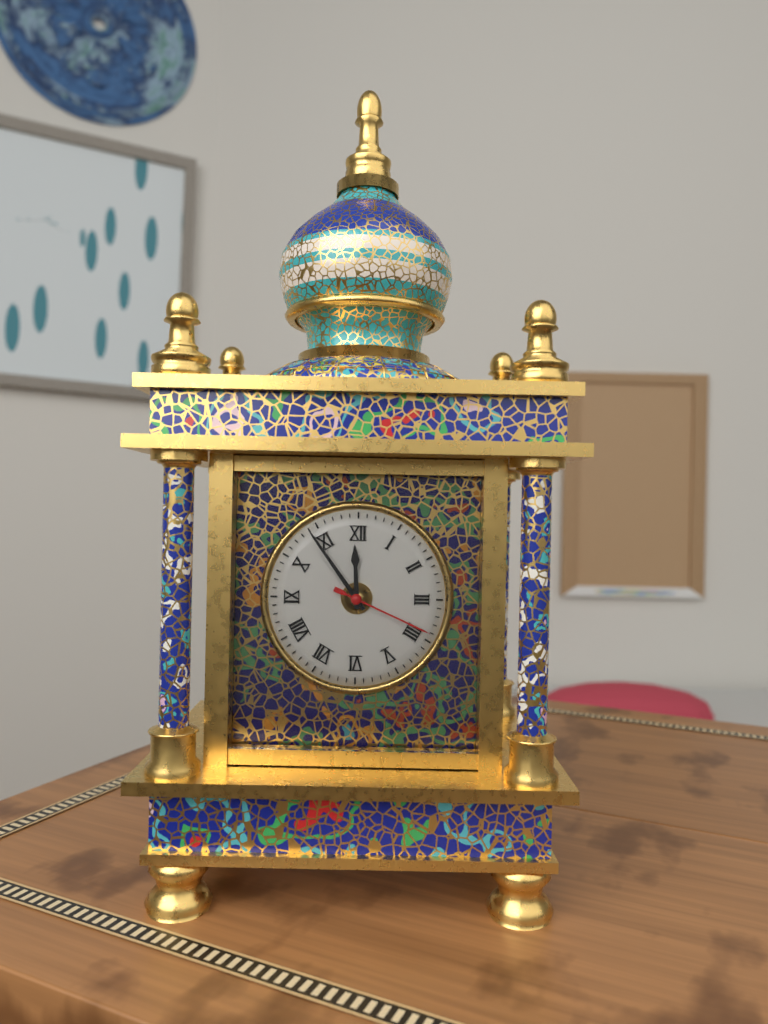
11,54,19
